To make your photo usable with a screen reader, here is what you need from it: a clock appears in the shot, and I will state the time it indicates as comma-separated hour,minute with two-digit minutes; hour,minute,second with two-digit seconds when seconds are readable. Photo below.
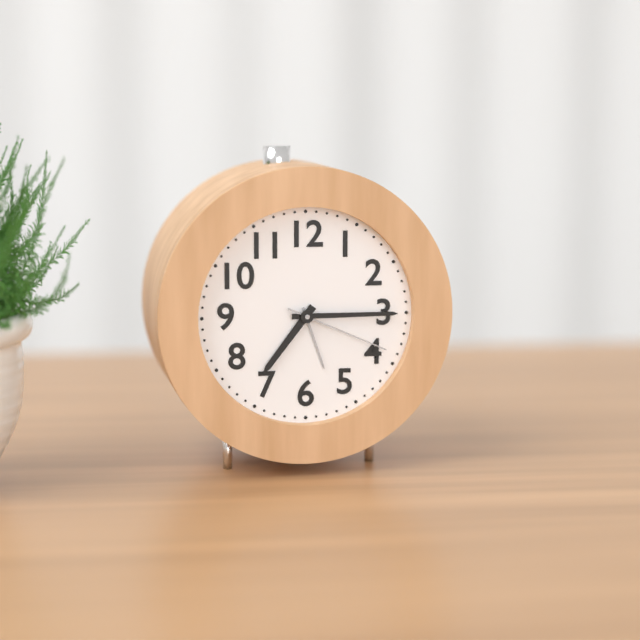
7,15,19
